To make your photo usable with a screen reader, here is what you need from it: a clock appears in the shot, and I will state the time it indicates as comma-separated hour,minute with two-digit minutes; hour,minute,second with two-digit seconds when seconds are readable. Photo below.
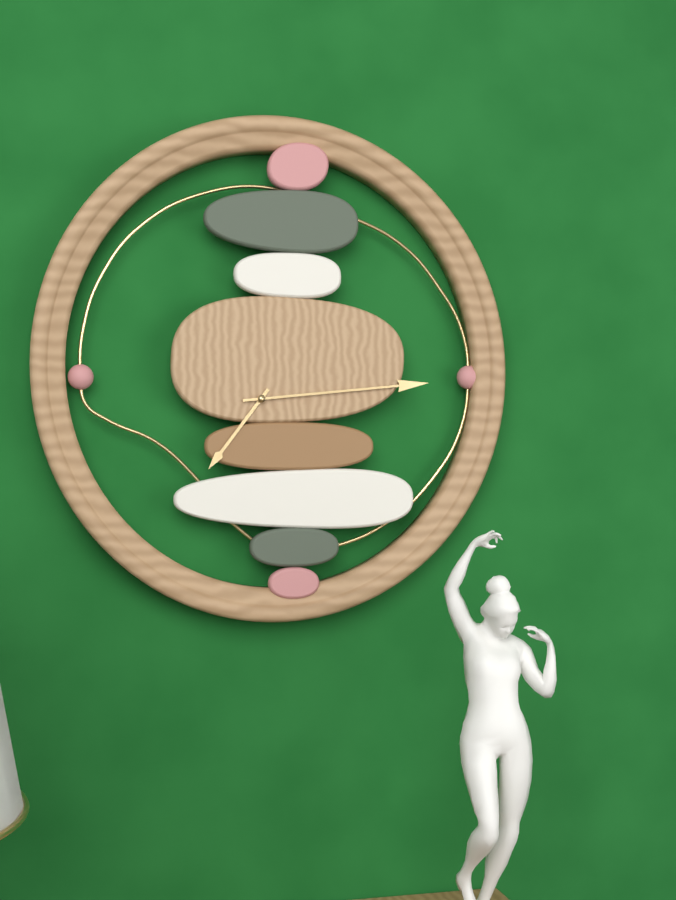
7,14
